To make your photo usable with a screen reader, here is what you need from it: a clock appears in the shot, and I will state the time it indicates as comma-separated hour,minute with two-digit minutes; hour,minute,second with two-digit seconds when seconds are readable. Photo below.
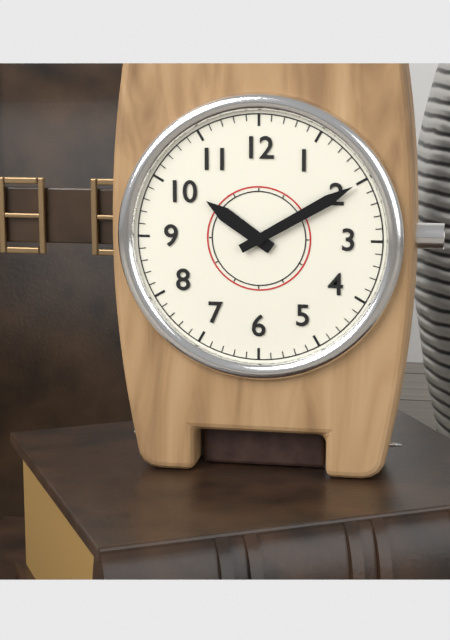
10,10
